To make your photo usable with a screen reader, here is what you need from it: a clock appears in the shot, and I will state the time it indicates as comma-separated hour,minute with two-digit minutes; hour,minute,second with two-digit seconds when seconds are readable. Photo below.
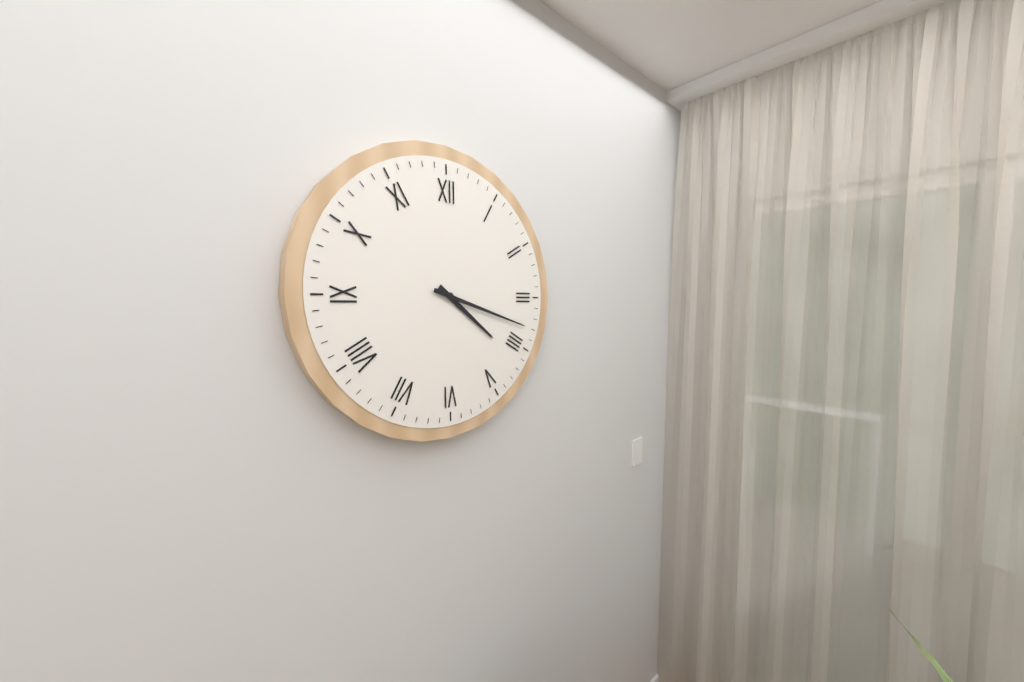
4,18
